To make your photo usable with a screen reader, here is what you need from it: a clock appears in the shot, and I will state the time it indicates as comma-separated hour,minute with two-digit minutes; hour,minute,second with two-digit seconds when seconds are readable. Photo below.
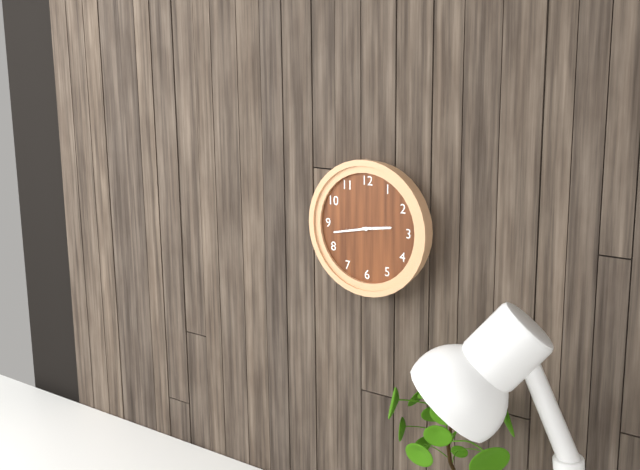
2,43
